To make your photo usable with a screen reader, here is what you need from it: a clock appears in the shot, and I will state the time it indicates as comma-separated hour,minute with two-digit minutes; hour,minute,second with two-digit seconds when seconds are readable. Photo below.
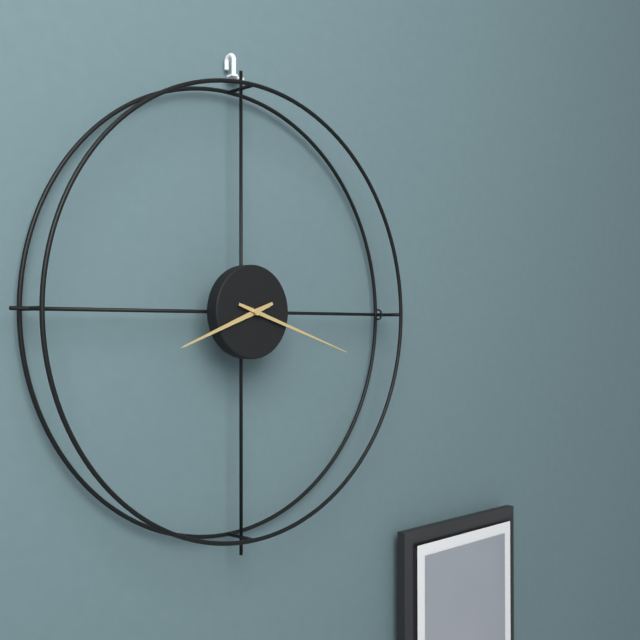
8,18
